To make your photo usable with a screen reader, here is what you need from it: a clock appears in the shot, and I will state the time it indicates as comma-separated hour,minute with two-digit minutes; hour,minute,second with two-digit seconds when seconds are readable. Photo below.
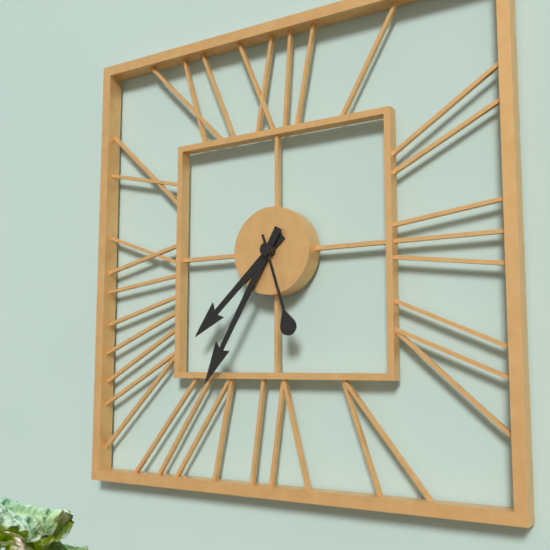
7,35,27
